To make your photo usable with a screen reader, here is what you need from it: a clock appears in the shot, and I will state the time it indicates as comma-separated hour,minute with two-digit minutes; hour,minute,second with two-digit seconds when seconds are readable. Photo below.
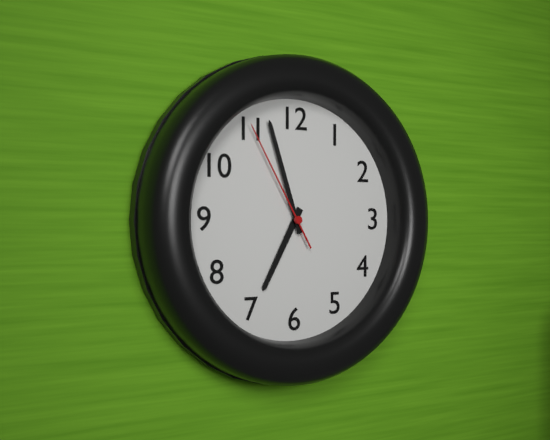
6,57,55
